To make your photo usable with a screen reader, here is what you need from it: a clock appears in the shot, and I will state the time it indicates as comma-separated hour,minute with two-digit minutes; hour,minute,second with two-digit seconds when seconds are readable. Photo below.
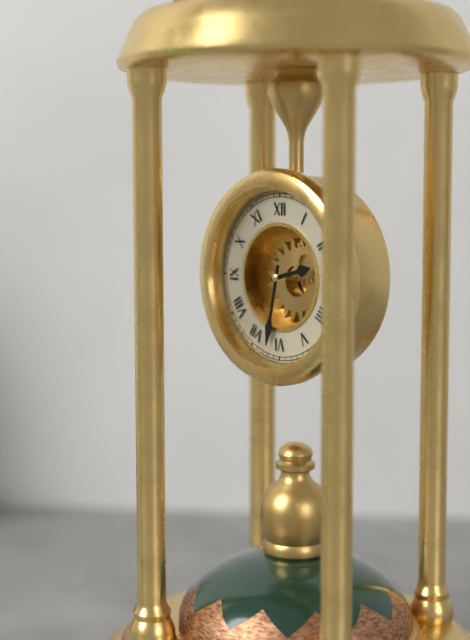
2,32
